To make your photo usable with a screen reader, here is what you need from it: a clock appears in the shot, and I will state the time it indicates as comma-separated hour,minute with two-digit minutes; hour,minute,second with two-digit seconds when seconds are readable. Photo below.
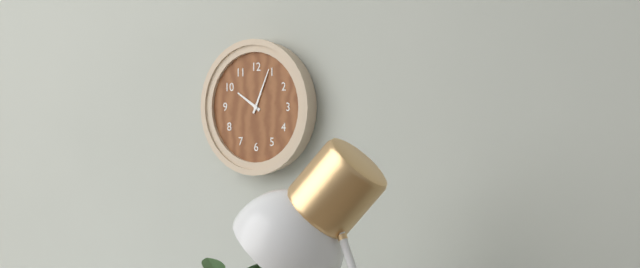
10,04
